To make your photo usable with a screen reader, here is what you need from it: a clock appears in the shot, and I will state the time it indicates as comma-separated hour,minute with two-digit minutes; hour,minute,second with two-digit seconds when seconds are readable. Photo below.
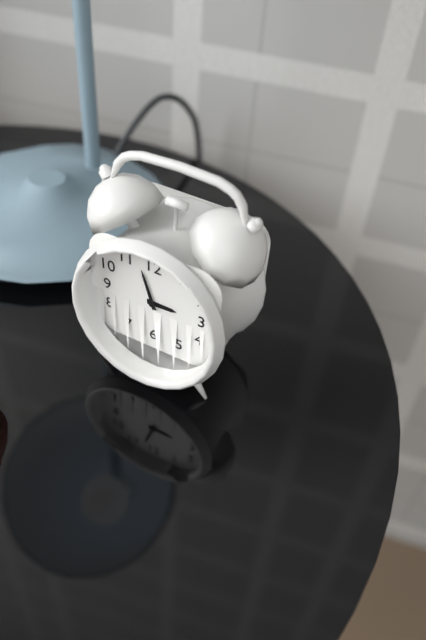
2,57
